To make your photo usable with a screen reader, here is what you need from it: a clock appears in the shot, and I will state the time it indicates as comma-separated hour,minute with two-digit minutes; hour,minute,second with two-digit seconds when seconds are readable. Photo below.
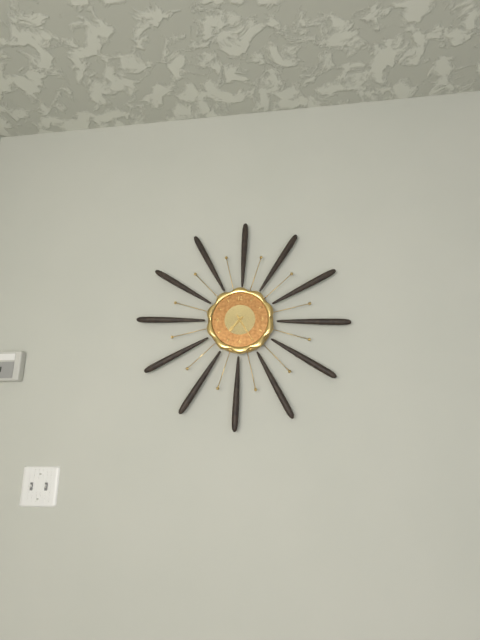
7,25
